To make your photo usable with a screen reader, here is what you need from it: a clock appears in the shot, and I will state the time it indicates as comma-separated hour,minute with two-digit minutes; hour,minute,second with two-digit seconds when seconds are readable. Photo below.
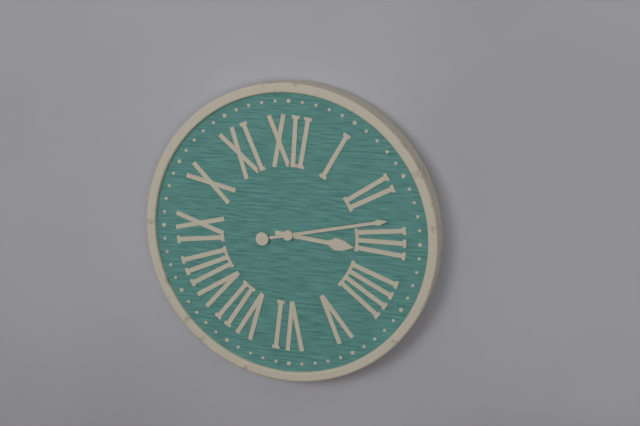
3,13
